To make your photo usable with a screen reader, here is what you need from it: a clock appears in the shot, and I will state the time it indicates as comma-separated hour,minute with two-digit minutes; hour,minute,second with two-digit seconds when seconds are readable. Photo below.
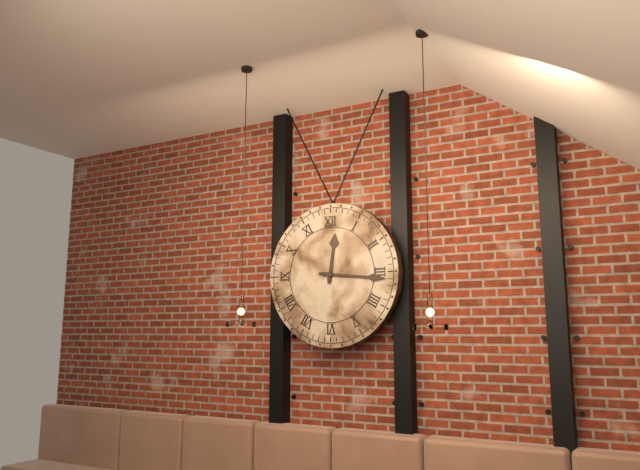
12,16
